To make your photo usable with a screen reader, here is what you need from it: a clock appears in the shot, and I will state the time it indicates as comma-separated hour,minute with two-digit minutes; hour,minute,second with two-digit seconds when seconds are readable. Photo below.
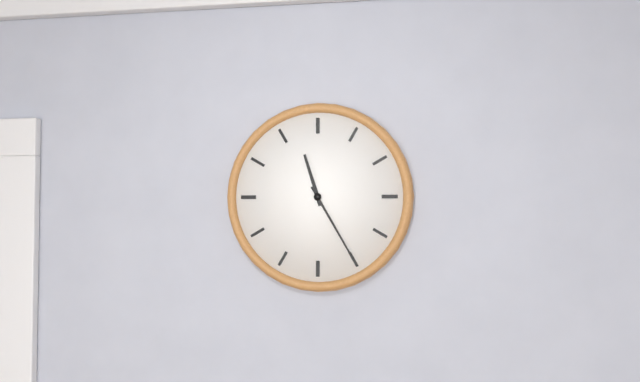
11,25
